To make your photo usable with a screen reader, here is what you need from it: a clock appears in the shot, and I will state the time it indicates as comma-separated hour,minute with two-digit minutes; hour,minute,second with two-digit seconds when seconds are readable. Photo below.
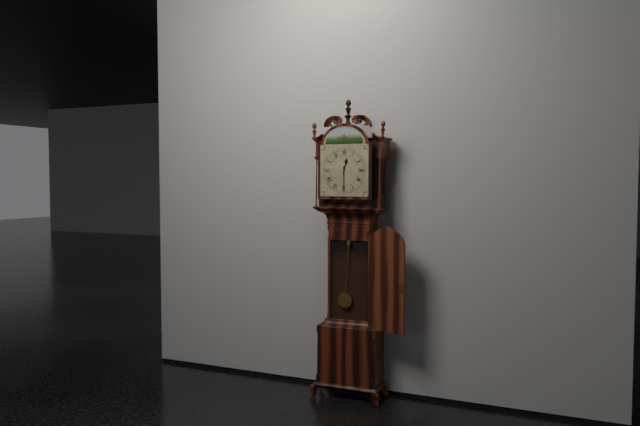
12,30
